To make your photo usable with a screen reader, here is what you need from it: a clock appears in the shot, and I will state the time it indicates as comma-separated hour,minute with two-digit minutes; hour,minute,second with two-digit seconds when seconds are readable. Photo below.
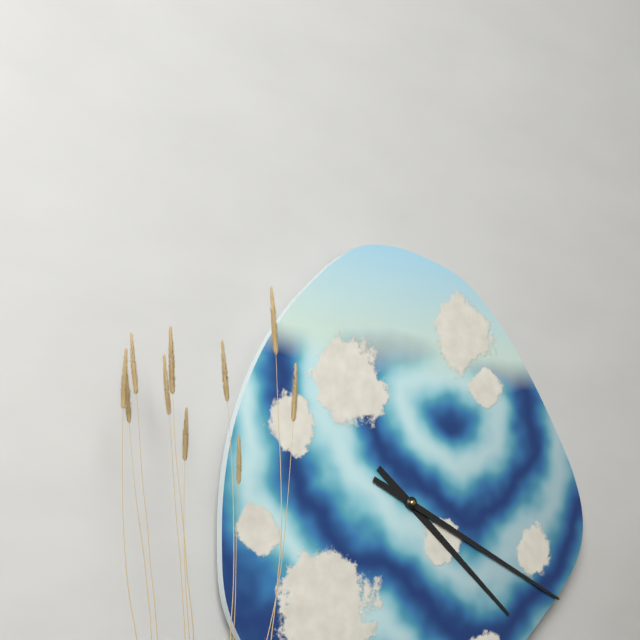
4,19
